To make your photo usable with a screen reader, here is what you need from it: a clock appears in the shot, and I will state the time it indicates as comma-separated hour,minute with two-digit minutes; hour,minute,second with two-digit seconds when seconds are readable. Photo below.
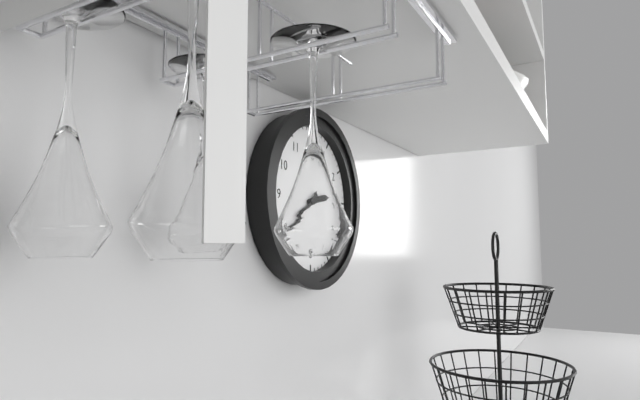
2,39
